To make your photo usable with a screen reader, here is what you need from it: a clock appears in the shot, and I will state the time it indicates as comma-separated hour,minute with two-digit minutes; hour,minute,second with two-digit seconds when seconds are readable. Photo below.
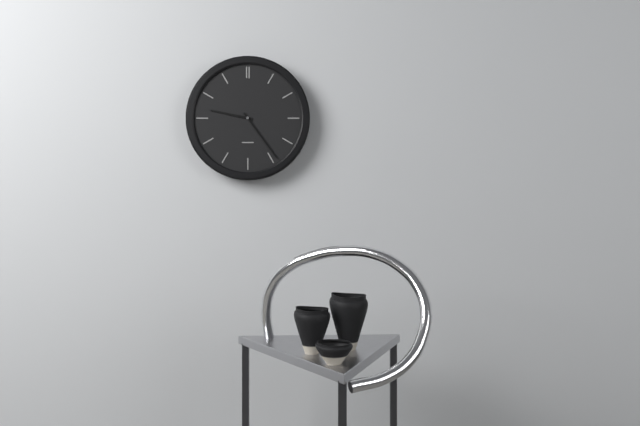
9,24
